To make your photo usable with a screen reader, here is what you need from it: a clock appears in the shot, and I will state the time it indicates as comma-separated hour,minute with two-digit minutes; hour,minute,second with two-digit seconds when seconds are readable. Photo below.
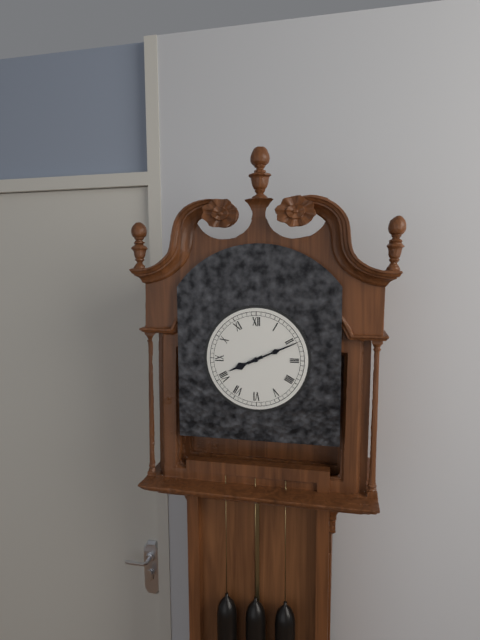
8,11
